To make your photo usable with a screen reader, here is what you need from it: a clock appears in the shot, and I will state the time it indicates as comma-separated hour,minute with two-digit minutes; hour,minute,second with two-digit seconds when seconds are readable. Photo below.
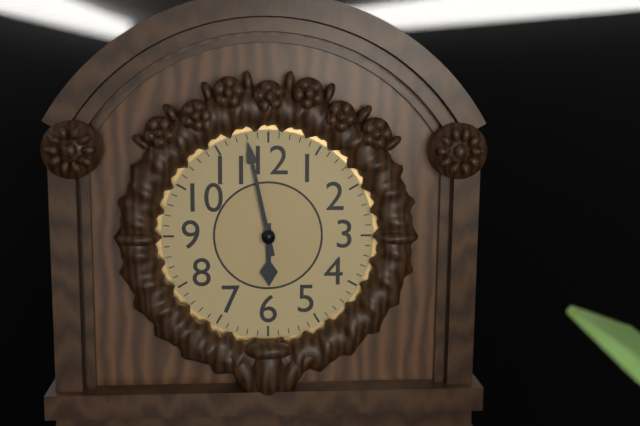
5,58
